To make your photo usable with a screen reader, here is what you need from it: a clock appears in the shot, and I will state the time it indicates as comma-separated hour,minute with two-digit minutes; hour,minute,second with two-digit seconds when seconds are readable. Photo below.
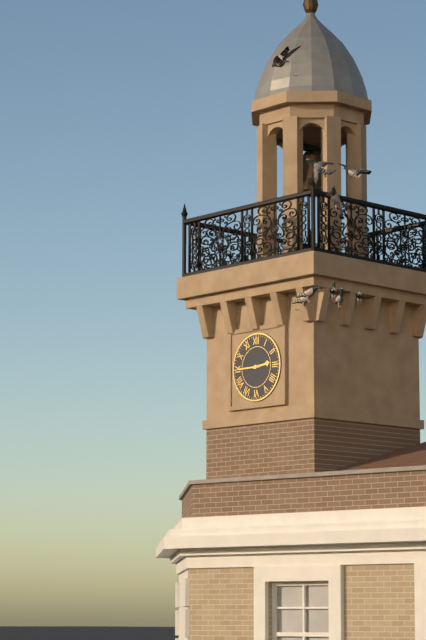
2,45
